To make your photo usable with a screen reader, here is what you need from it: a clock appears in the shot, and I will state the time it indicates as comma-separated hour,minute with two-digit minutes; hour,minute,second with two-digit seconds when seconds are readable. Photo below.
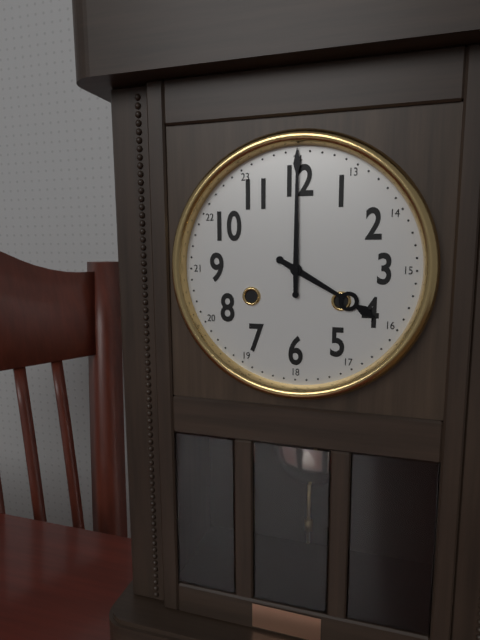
4,00
